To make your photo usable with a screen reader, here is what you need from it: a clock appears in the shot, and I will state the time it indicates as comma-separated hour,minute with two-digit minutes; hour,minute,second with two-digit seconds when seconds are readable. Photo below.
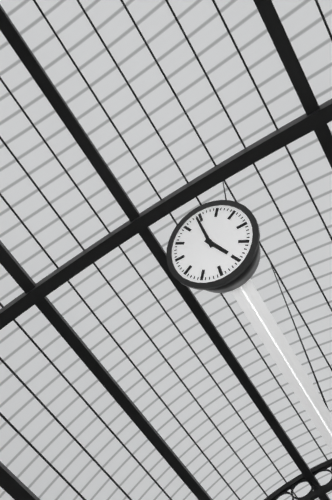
4,59
